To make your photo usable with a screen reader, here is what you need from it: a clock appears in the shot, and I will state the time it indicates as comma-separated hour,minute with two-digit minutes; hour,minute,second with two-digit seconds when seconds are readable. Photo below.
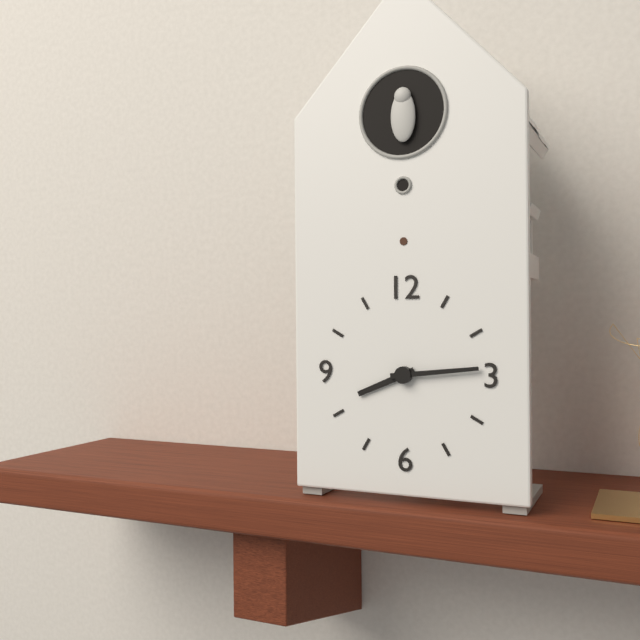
8,14
